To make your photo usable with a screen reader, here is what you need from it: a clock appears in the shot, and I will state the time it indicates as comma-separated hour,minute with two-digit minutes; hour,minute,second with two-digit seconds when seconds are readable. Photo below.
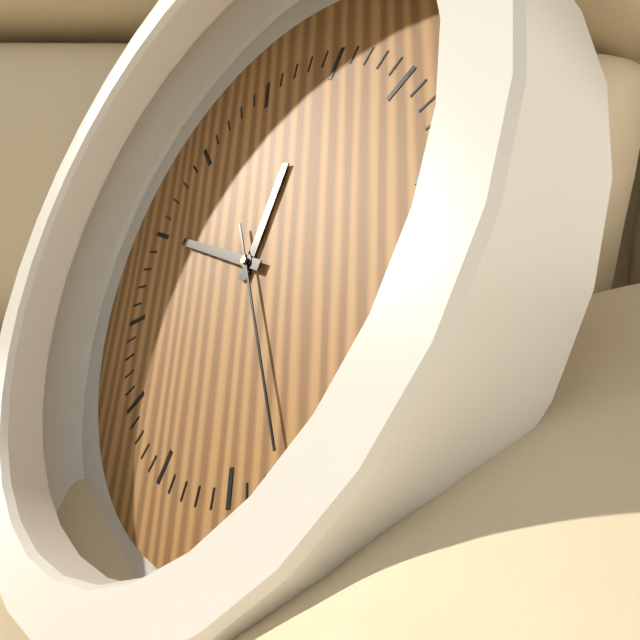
12,50,27
